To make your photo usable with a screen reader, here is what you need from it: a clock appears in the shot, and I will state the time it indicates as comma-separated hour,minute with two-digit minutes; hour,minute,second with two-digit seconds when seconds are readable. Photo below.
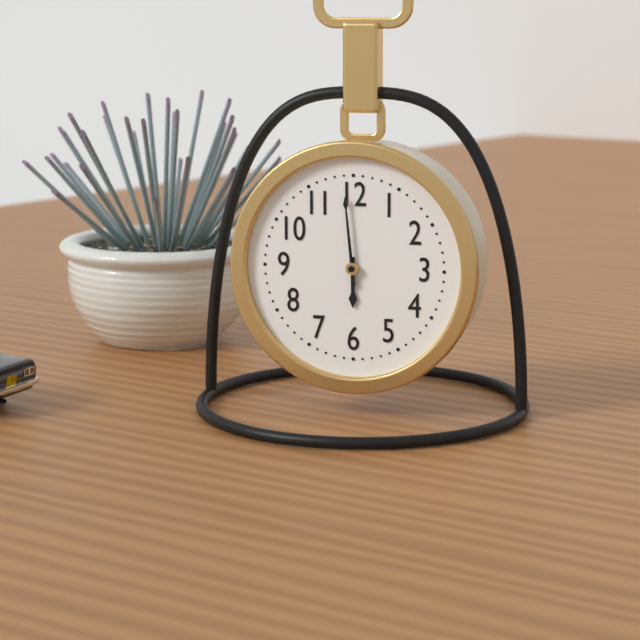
5,59
